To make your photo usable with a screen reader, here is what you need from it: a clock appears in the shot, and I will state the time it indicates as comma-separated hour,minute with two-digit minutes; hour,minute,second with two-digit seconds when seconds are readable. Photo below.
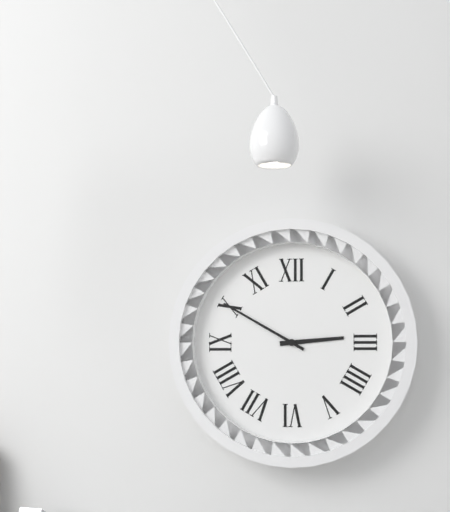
2,50
